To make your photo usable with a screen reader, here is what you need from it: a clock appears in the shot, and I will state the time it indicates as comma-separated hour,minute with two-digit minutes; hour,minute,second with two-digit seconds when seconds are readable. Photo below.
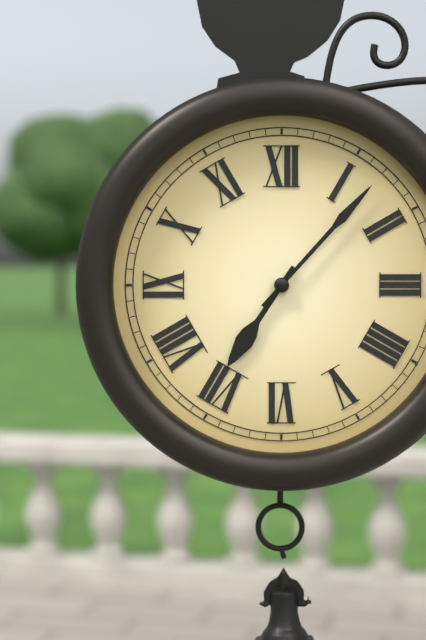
7,07
